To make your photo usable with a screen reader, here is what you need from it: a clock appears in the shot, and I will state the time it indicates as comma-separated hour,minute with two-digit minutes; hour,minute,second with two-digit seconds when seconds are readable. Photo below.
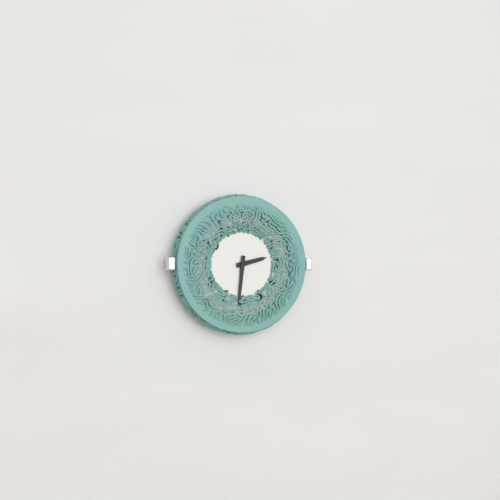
2,31
